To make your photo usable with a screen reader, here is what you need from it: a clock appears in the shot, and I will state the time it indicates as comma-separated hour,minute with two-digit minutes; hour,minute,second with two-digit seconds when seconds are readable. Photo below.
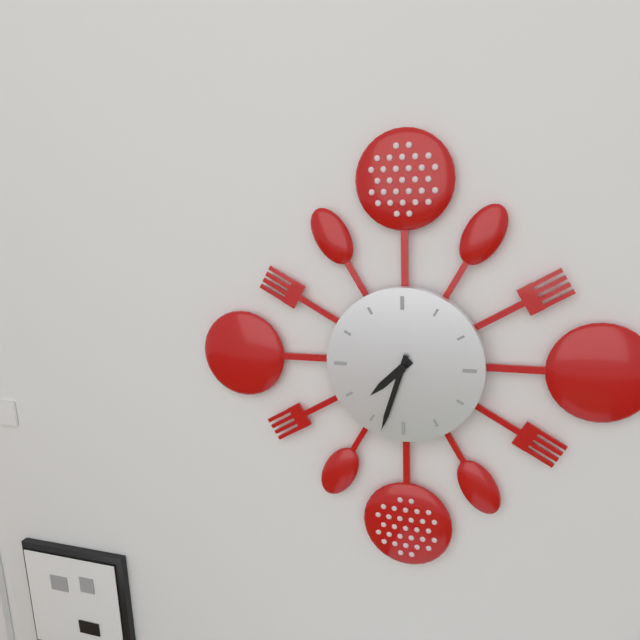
7,33
